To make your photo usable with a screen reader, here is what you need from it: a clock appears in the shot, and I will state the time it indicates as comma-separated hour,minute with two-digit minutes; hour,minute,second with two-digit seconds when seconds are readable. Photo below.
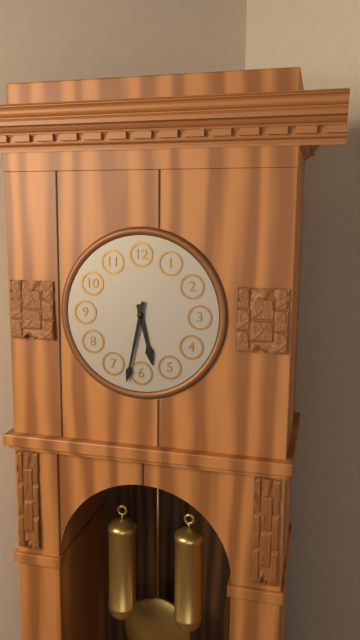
5,32
